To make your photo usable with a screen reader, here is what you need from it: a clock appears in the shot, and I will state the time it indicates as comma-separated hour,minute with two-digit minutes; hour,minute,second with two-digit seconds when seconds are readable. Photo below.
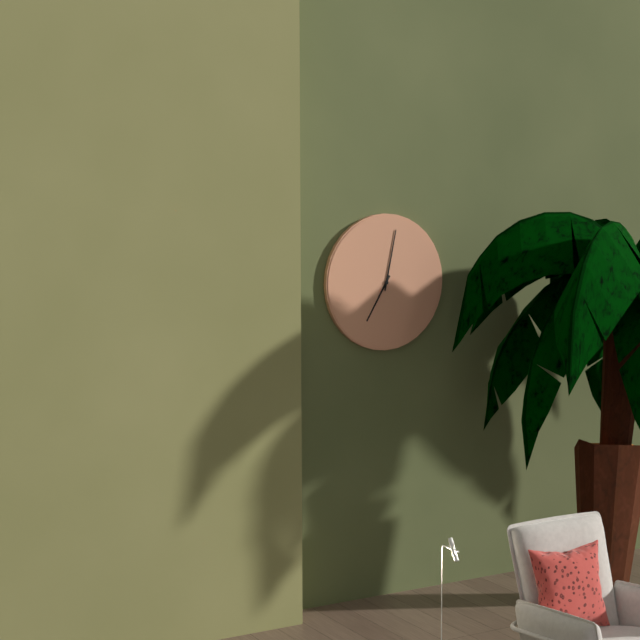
7,02
